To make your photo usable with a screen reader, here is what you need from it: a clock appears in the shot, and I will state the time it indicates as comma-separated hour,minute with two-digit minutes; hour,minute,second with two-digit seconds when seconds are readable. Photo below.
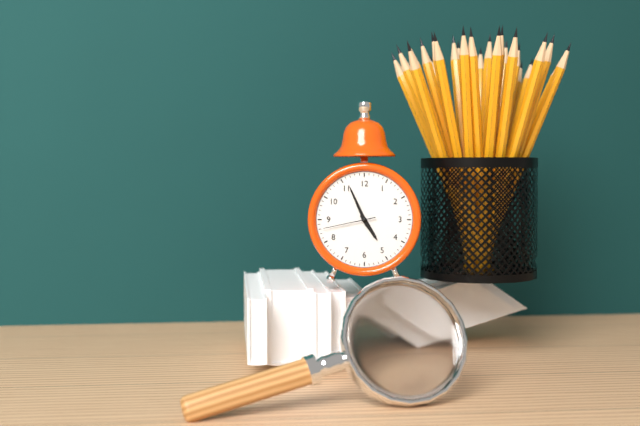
4,56,43
